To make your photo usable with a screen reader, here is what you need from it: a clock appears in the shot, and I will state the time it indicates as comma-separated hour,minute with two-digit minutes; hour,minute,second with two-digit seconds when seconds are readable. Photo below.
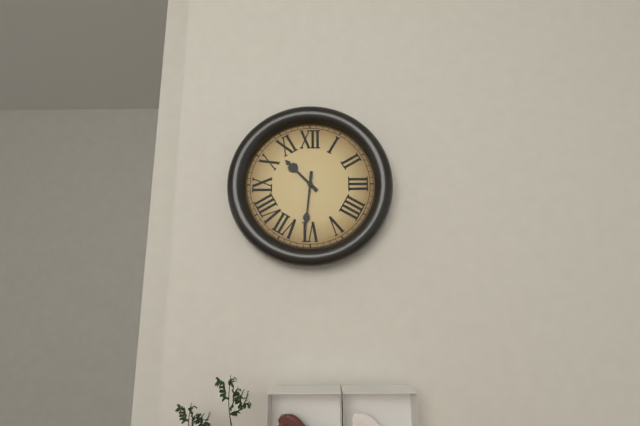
10,31
